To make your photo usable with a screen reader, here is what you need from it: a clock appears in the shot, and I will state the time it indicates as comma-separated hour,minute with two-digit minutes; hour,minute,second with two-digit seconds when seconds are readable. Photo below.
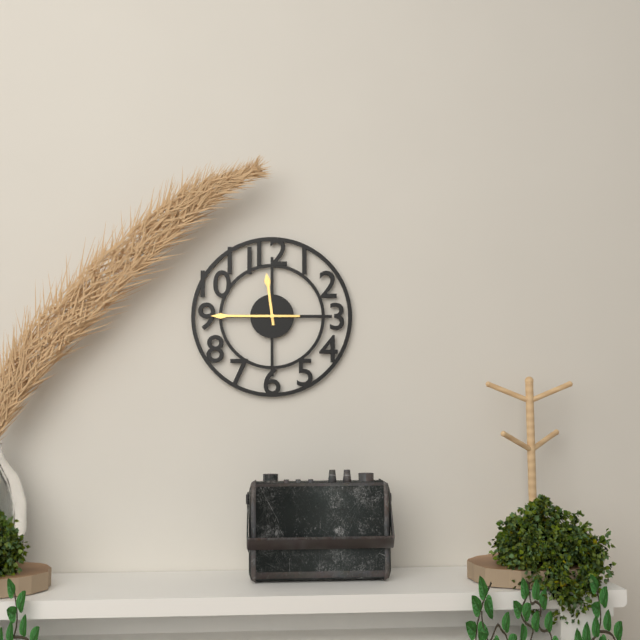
11,45
